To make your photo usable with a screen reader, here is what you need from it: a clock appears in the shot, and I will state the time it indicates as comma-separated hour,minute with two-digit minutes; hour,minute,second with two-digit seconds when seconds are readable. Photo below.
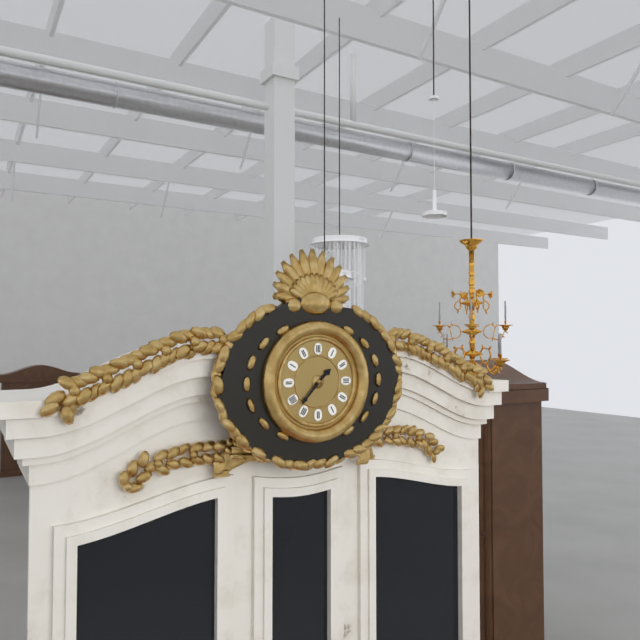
1,37
